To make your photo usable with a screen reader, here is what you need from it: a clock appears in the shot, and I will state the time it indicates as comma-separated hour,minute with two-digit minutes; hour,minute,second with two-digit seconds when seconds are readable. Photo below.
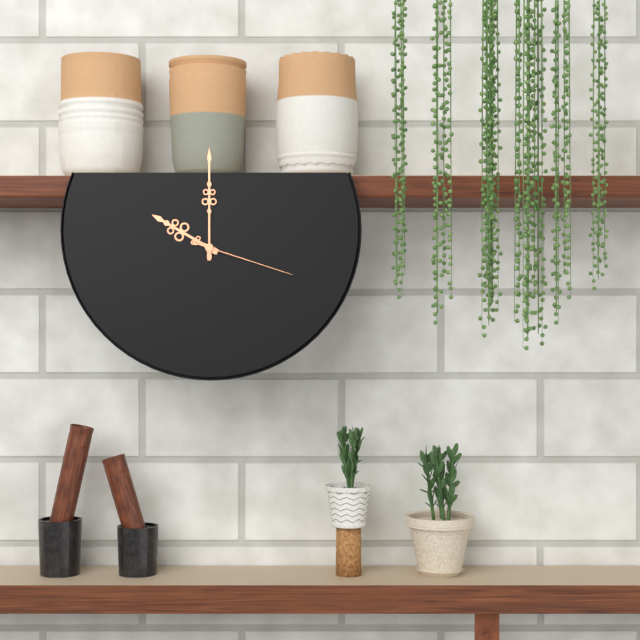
10,00,18
